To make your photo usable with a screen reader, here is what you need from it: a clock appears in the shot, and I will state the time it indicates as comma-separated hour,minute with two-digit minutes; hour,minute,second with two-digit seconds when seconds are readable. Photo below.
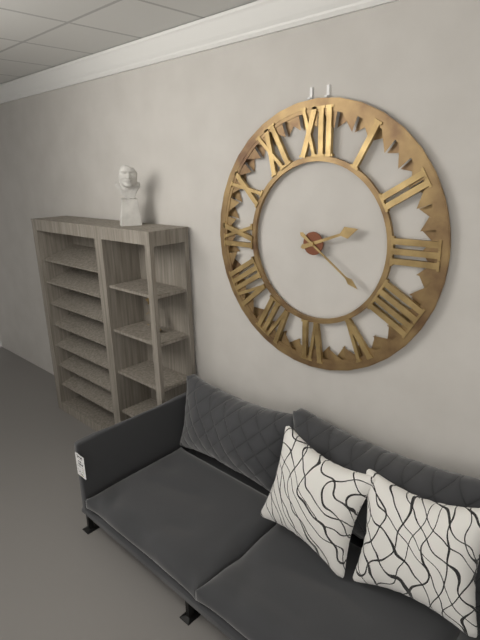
2,21
